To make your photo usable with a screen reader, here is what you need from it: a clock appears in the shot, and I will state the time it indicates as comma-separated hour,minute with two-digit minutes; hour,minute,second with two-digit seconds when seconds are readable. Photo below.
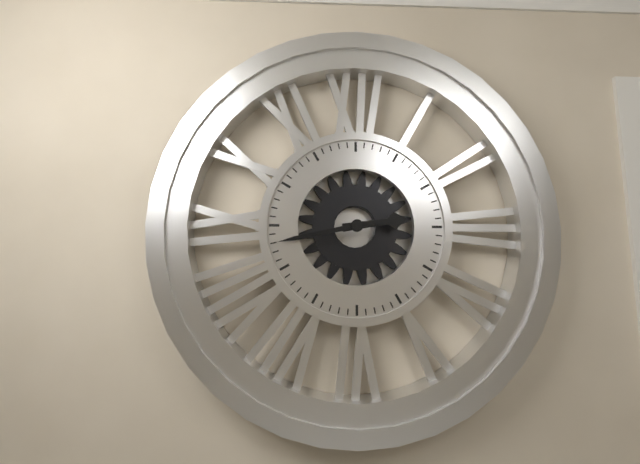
2,43
